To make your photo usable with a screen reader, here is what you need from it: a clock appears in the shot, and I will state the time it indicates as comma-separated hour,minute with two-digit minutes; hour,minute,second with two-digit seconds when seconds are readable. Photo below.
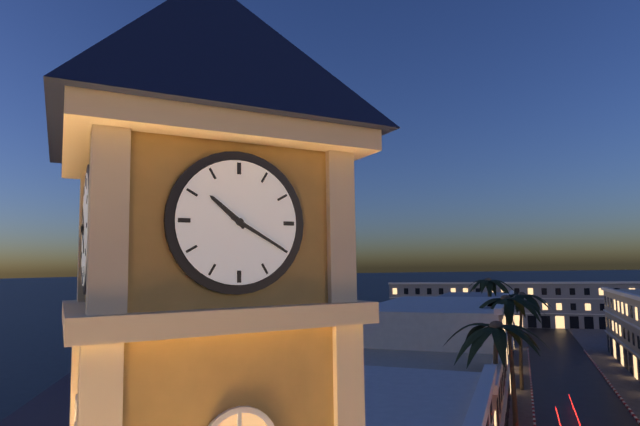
10,20
